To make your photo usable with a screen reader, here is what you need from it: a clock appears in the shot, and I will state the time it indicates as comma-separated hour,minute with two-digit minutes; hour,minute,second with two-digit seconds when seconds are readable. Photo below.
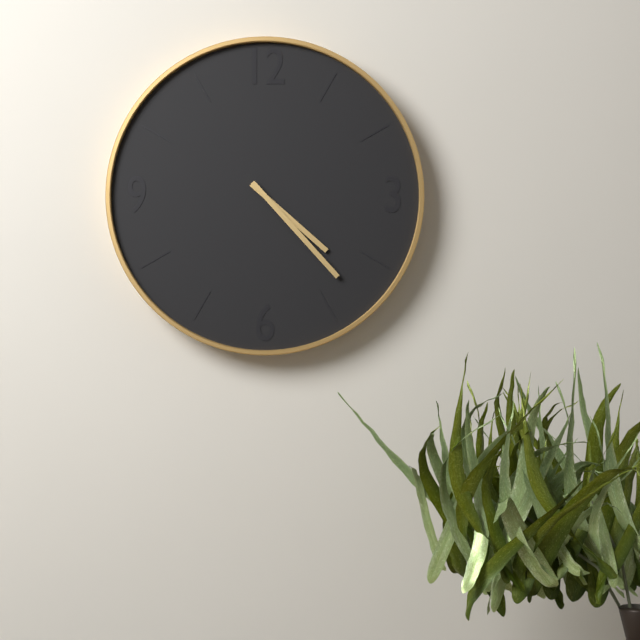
4,23
